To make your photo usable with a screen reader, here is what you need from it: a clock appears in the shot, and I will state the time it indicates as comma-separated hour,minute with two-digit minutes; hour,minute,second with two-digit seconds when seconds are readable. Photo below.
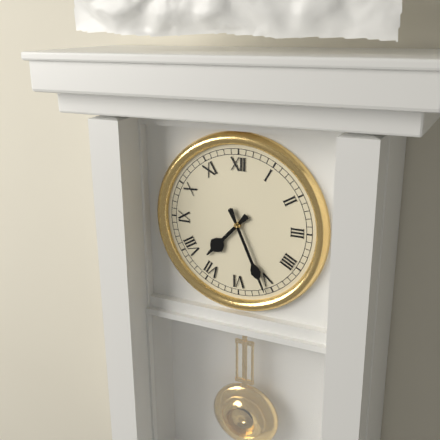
7,26
